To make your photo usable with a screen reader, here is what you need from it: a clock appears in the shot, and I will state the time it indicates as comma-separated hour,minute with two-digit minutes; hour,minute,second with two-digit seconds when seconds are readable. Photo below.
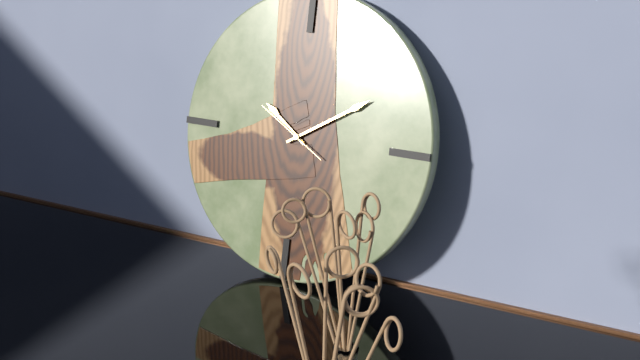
10,10,50
